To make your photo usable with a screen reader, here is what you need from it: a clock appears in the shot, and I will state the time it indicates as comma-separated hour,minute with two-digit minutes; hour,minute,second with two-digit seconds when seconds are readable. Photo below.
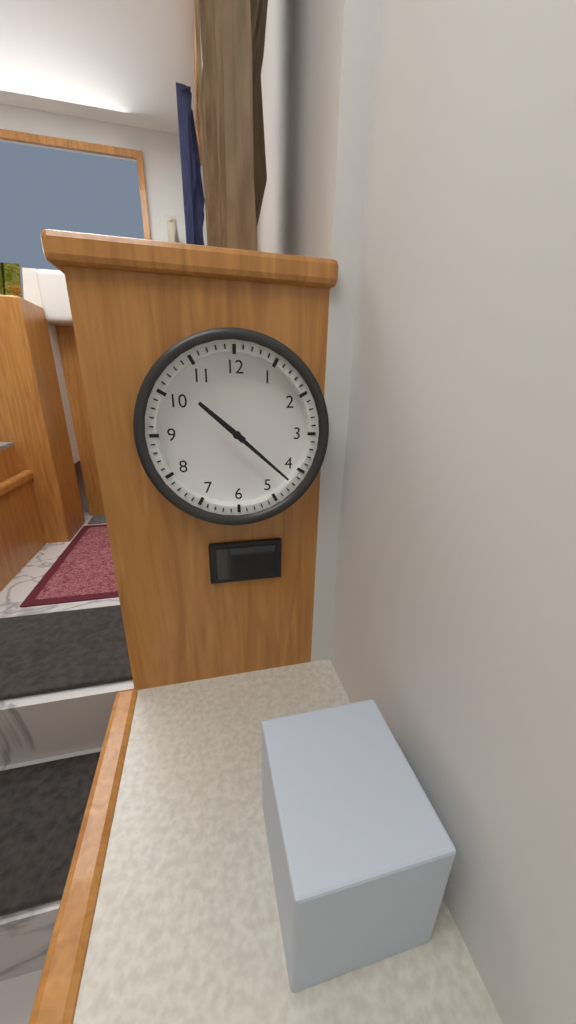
10,22
